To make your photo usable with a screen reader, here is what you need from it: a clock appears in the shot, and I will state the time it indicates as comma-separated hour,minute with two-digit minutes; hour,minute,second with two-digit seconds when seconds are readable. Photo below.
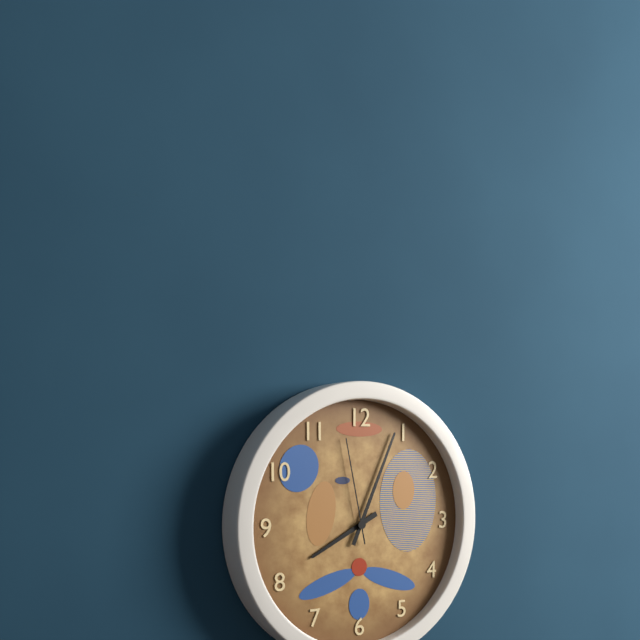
8,04,58
